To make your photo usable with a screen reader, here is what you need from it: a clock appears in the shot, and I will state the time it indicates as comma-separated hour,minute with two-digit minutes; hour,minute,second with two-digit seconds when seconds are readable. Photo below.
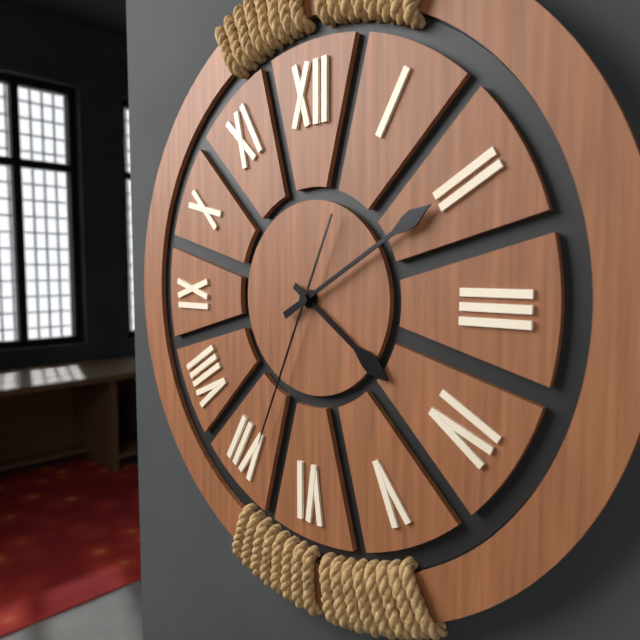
4,10,34
